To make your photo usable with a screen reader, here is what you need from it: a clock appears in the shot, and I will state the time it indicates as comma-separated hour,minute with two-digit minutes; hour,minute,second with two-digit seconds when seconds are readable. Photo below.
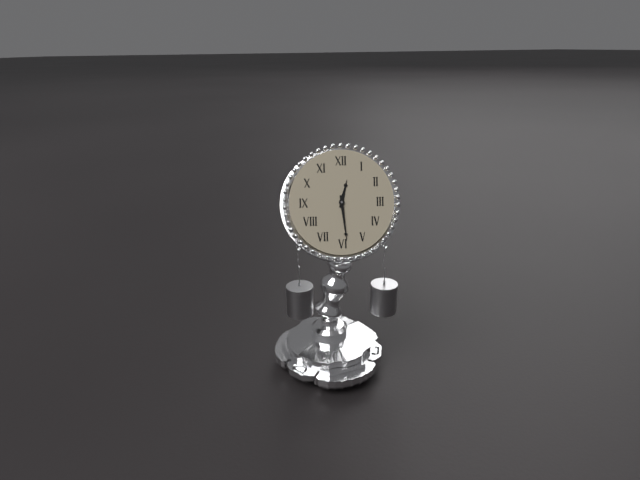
12,29
